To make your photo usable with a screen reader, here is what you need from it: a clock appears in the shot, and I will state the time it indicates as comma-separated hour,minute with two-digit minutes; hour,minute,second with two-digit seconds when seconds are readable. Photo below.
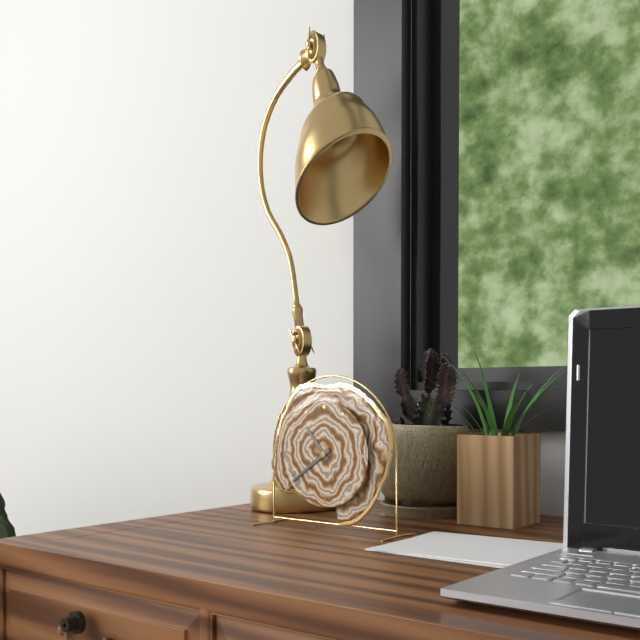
10,39
